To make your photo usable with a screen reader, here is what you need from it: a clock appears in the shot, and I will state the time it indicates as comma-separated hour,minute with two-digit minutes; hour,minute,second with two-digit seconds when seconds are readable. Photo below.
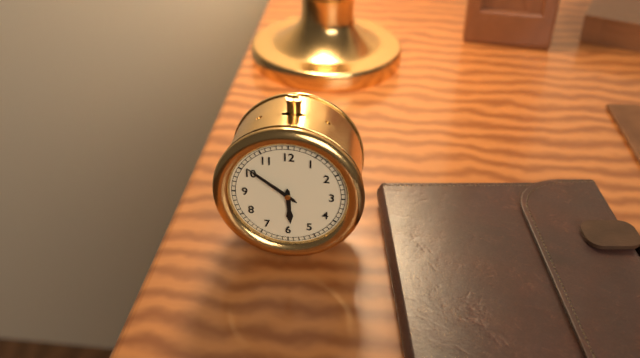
5,51
